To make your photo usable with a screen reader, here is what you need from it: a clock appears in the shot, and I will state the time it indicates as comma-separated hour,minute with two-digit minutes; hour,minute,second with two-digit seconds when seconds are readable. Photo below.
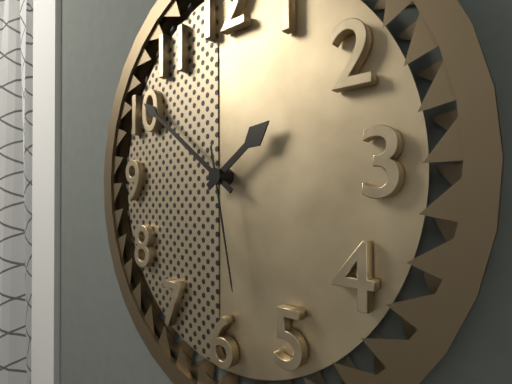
1,51,28
